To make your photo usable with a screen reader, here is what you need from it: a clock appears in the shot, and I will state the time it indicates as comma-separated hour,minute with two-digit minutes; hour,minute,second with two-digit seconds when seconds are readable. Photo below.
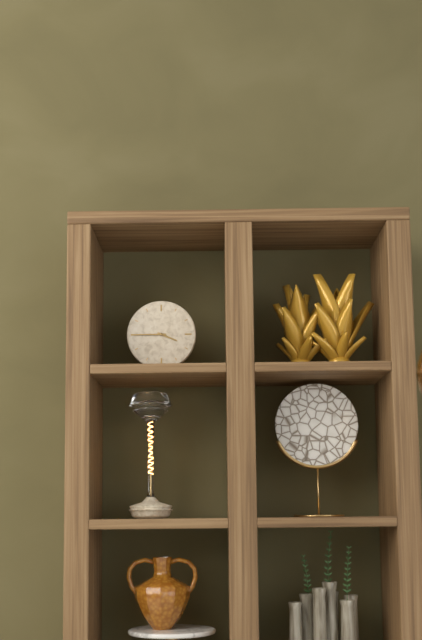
3,45
